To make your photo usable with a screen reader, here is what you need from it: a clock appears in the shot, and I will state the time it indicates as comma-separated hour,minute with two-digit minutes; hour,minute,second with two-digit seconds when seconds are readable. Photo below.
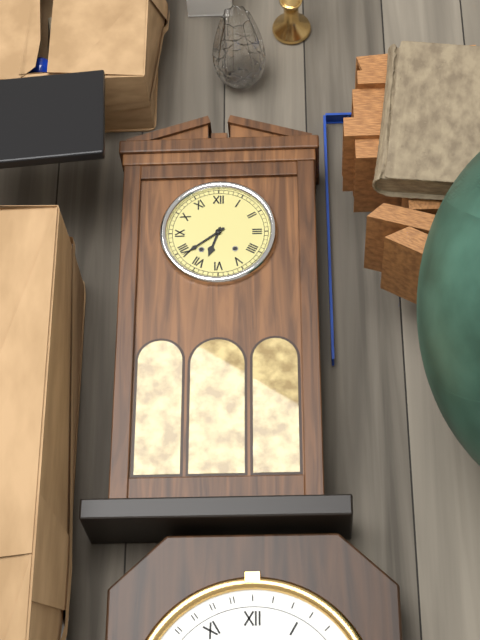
6,39
